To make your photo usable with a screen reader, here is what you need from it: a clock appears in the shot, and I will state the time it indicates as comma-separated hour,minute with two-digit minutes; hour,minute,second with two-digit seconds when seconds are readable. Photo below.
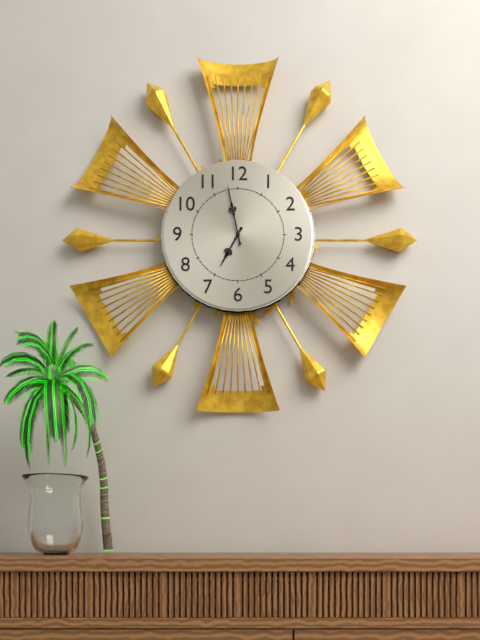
6,58
